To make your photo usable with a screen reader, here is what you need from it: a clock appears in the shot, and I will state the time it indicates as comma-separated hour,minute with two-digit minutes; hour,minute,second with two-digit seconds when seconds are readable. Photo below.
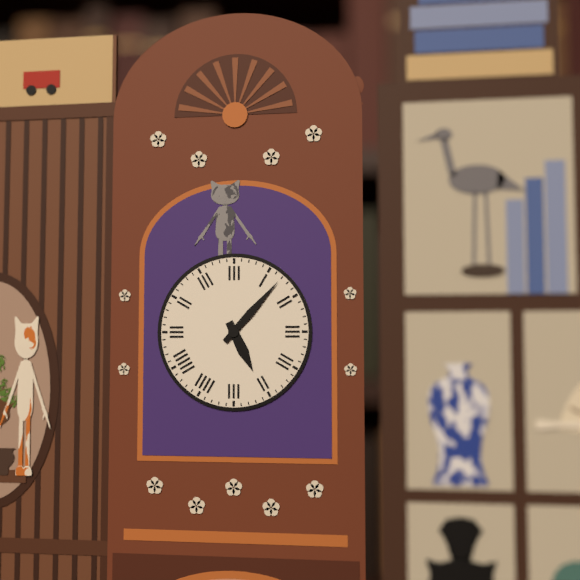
5,07
